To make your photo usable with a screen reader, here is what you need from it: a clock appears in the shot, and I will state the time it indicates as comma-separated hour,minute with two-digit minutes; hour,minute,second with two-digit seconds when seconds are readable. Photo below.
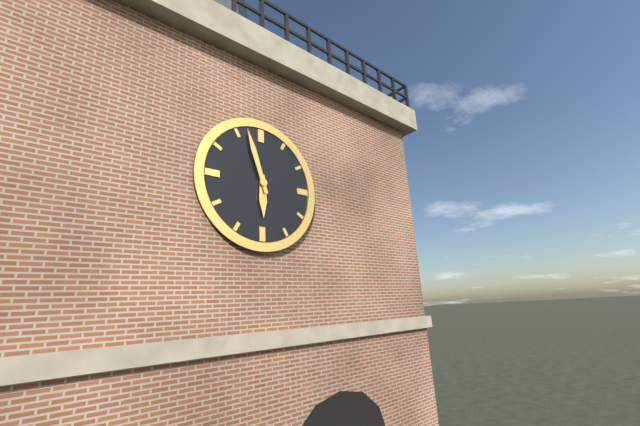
5,57
